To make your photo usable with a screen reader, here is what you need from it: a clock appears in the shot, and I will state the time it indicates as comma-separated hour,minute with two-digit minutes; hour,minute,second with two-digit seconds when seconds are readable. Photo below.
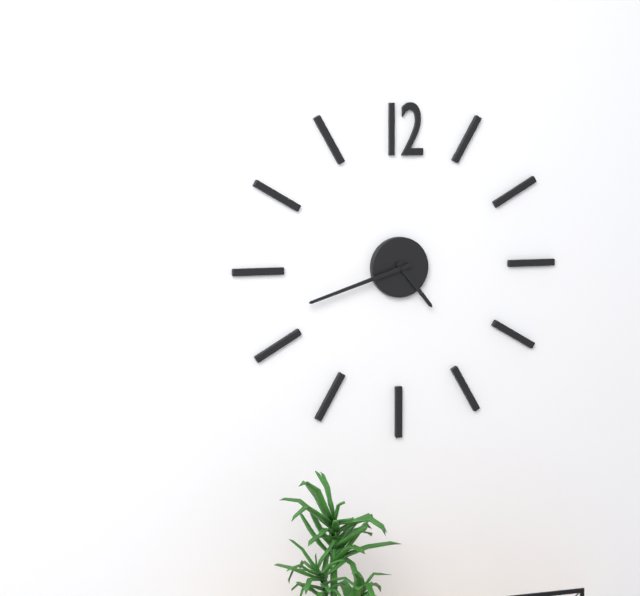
4,42
